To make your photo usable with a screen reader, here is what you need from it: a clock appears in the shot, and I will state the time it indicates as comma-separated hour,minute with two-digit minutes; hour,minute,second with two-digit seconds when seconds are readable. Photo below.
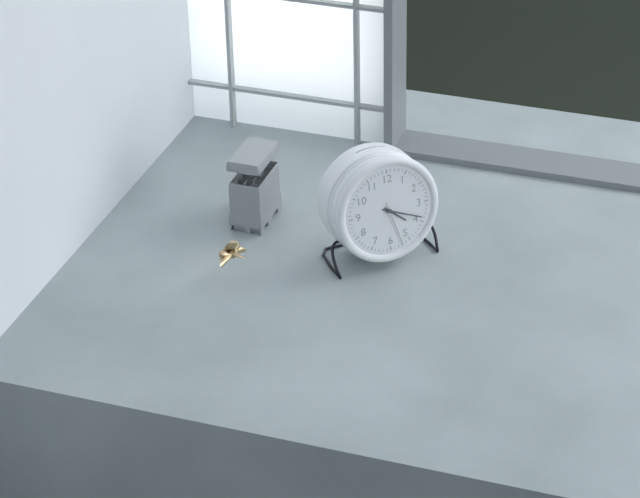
4,19
